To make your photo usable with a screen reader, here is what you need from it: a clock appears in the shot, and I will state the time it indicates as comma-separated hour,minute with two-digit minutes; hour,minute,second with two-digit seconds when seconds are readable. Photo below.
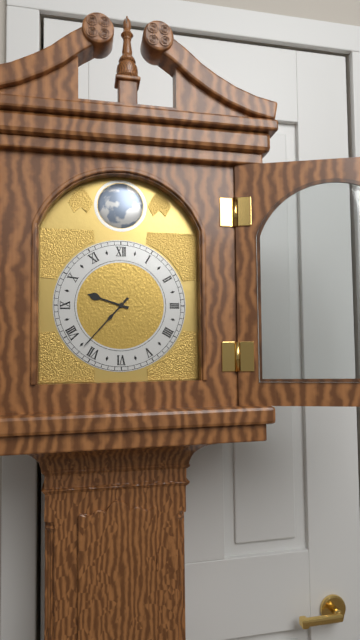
9,37
